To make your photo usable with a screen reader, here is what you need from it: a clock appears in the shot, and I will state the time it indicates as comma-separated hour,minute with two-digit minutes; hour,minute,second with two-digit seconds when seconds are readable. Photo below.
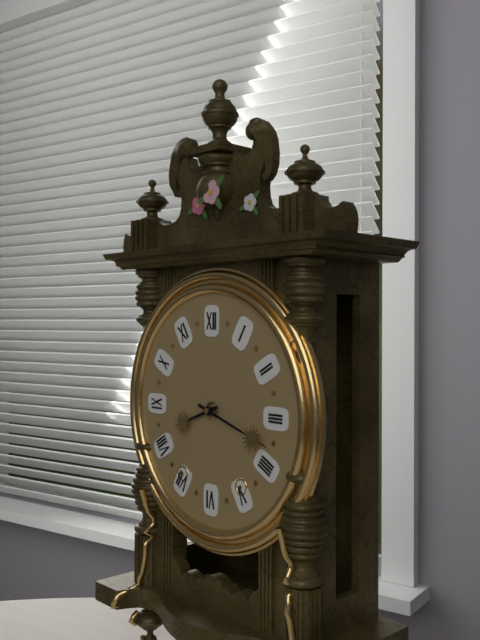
8,18
